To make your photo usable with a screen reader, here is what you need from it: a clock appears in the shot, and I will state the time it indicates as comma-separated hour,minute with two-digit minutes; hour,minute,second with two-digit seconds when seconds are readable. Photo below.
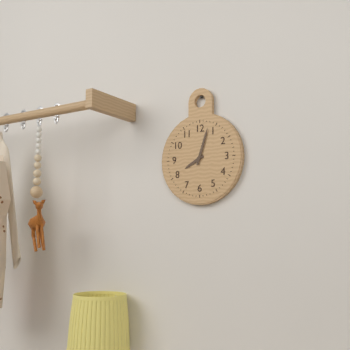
8,03
